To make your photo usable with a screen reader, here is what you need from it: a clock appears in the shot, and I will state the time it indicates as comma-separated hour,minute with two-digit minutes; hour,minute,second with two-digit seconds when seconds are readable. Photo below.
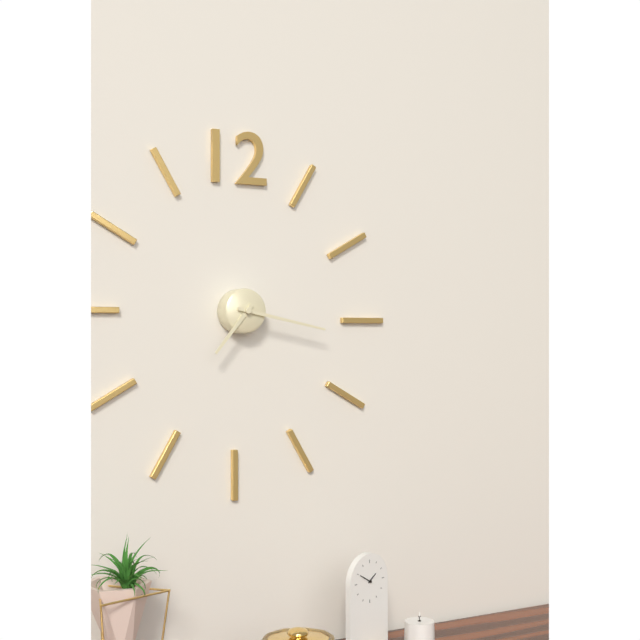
7,17
